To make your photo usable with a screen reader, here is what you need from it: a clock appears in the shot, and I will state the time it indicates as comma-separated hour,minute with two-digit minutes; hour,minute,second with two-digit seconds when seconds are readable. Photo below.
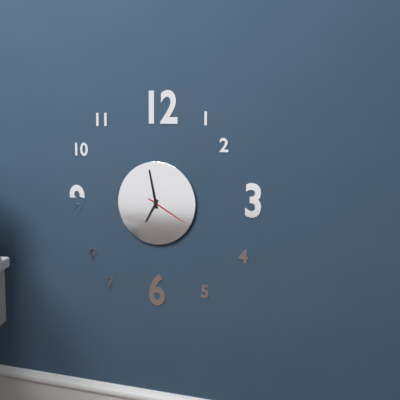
6,58
